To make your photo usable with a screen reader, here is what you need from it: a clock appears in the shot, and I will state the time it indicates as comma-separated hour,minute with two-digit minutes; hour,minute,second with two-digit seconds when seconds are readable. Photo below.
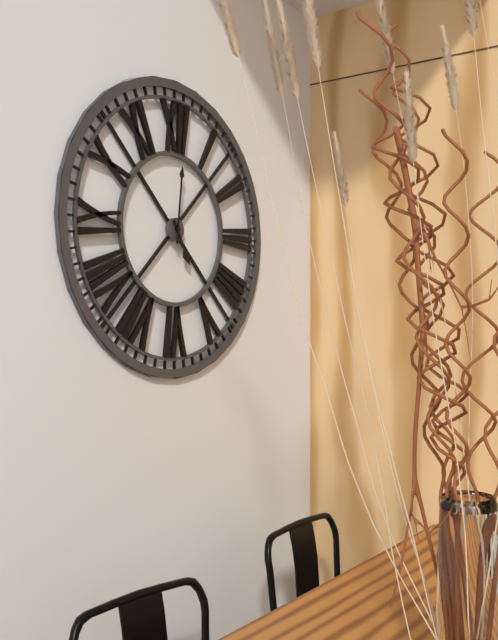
5,01
